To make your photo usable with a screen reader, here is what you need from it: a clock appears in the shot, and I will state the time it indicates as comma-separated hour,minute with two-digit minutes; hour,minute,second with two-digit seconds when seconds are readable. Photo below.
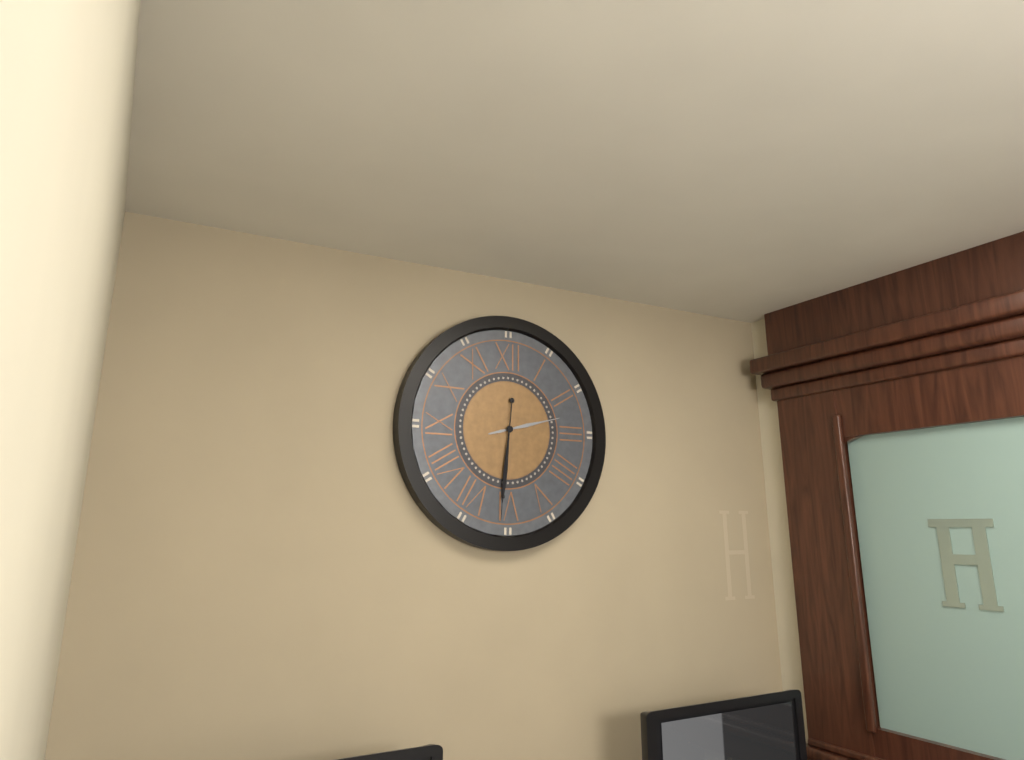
2,31
